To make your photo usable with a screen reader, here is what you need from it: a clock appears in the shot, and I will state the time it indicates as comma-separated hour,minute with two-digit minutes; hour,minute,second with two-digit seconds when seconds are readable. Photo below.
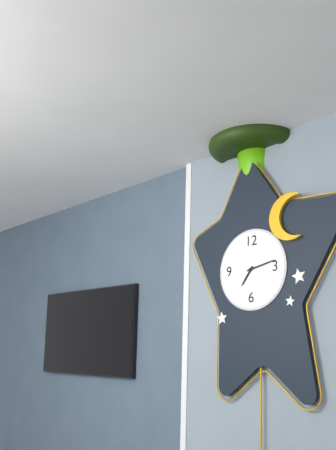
7,13
